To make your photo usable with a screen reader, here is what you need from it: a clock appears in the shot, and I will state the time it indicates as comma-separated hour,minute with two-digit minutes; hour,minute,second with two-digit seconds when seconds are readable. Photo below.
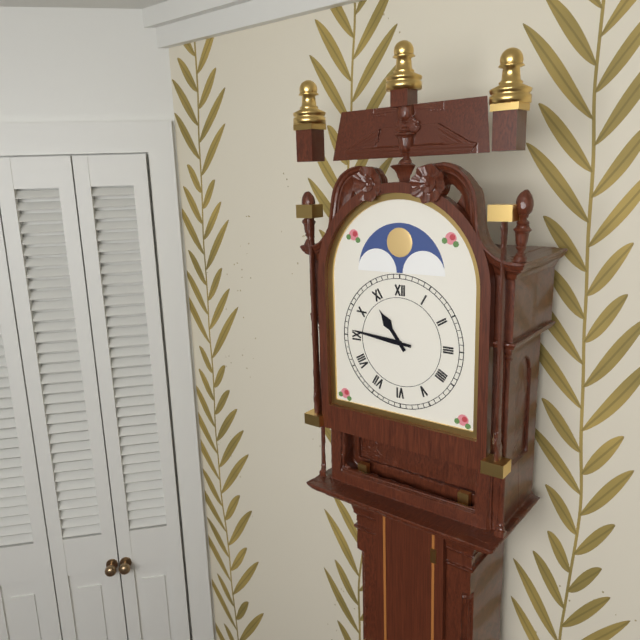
10,46
